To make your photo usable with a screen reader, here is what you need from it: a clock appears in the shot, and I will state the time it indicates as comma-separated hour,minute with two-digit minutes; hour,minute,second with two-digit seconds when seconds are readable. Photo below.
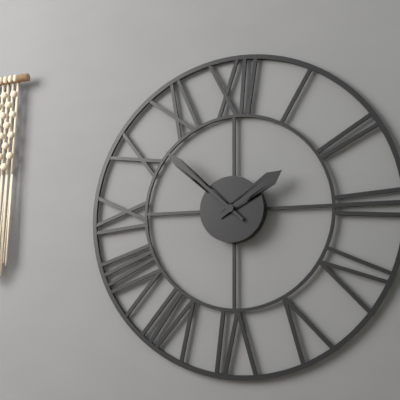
1,52
